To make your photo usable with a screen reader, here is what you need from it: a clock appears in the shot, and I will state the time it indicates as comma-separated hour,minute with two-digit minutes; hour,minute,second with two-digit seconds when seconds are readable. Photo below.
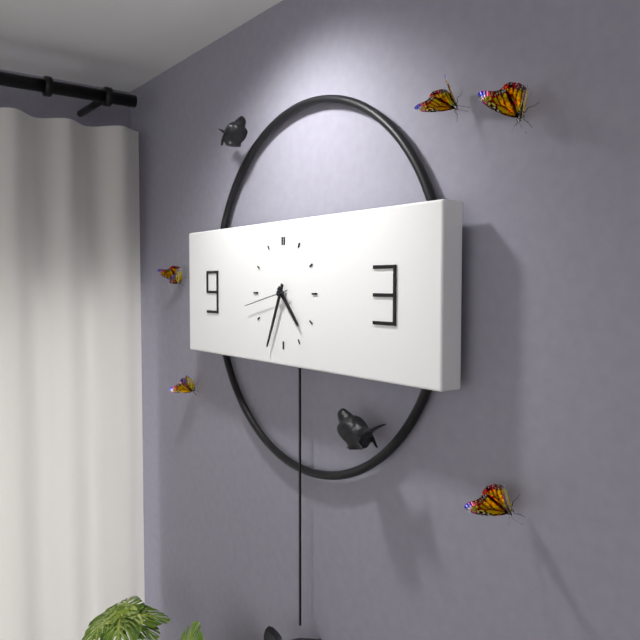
4,34
